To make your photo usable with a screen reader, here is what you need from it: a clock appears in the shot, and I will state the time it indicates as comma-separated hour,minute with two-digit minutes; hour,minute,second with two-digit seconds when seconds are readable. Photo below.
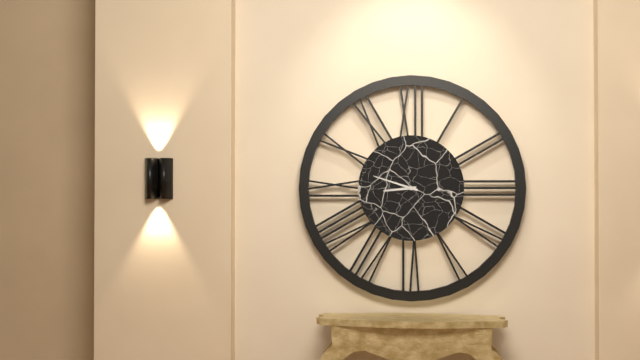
8,48
